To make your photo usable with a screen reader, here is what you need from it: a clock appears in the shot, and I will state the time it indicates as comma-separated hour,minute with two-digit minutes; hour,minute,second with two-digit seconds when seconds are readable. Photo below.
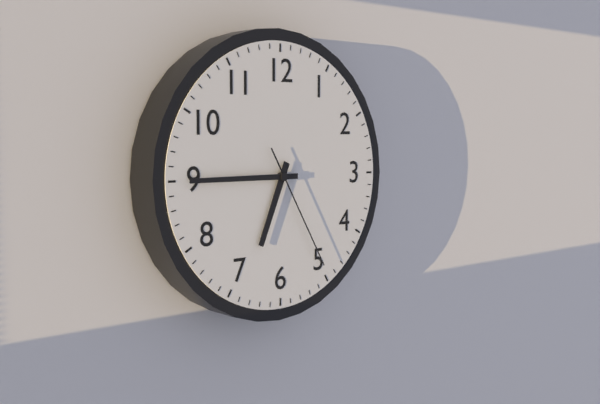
6,45,25
